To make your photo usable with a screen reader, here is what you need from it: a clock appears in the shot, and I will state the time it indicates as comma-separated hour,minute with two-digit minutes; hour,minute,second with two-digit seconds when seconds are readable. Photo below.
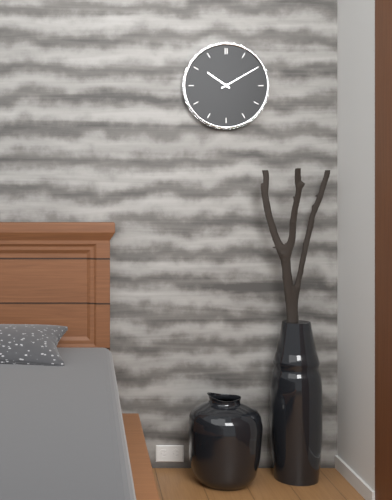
10,10
